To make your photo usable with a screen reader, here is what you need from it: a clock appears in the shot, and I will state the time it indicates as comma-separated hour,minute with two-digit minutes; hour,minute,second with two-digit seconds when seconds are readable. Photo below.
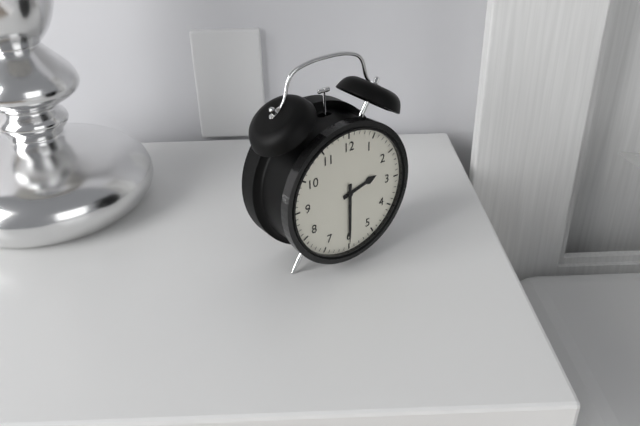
2,30
